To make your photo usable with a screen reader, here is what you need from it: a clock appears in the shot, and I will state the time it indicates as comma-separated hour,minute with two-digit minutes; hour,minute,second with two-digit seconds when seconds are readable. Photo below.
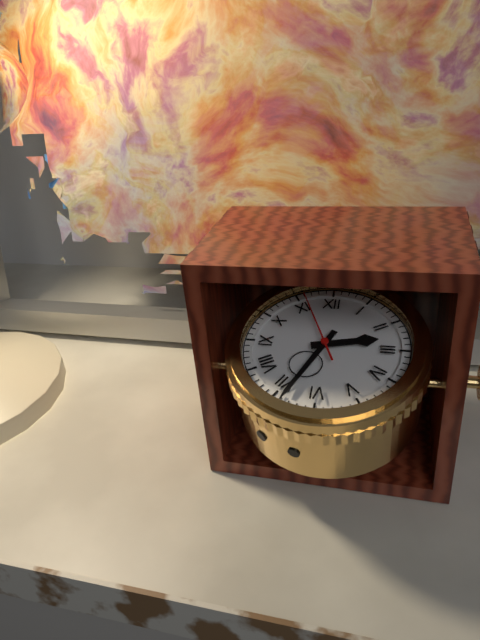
2,34,56
